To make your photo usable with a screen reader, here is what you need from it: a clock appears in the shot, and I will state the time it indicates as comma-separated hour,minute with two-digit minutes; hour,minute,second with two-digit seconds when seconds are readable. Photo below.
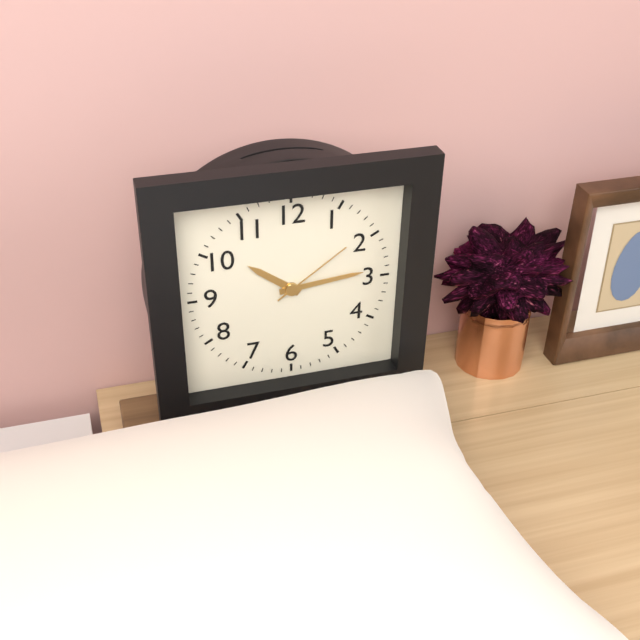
10,14,09
